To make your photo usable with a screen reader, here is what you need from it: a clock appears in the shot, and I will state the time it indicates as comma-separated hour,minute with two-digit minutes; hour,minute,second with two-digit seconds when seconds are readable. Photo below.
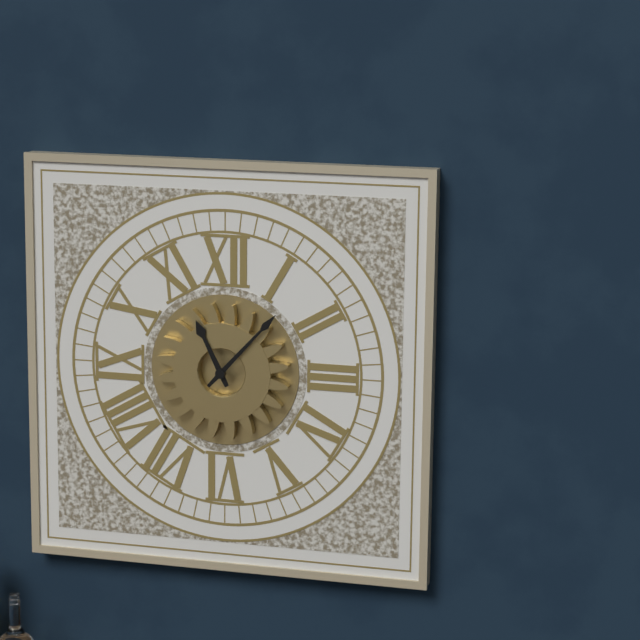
11,07
